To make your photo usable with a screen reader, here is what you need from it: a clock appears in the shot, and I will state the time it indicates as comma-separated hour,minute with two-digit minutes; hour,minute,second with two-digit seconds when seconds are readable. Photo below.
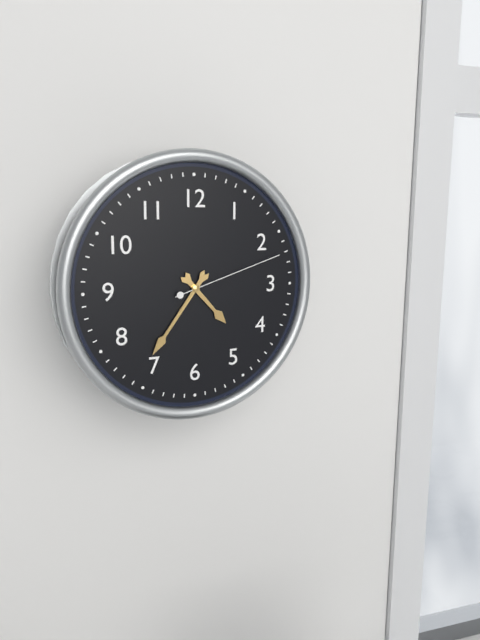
4,36,12
